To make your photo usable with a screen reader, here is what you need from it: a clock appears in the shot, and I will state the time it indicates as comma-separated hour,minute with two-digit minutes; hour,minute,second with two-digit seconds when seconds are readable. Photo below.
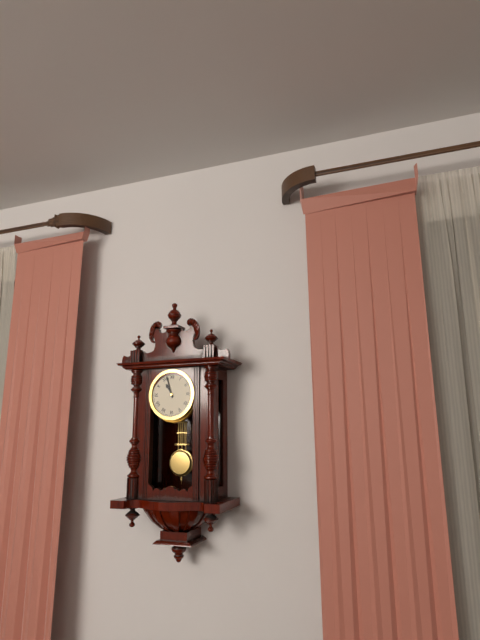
10,57
